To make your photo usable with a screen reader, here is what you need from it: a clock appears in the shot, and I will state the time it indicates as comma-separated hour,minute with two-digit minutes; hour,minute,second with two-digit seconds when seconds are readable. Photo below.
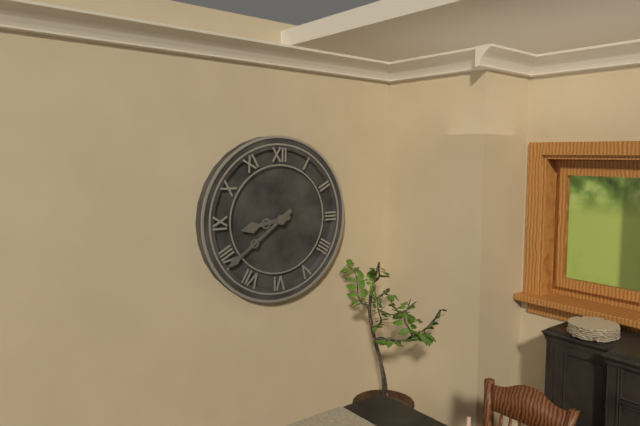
8,39
